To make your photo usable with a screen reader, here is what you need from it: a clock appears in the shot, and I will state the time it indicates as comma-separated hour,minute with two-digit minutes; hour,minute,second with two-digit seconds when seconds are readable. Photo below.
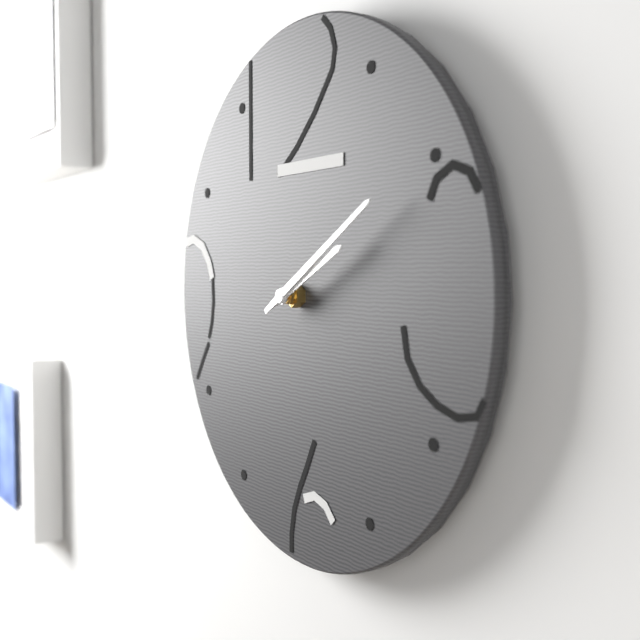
2,10
